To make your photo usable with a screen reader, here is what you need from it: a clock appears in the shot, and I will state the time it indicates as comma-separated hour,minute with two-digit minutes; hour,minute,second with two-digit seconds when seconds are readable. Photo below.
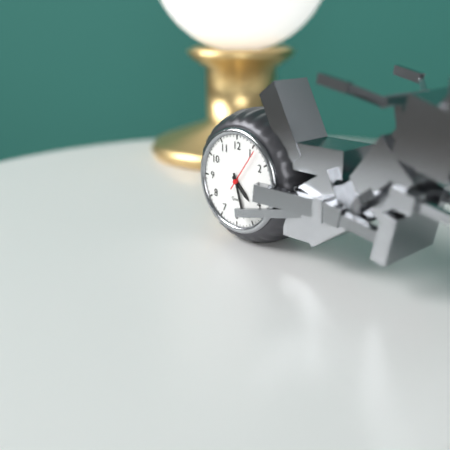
4,27
